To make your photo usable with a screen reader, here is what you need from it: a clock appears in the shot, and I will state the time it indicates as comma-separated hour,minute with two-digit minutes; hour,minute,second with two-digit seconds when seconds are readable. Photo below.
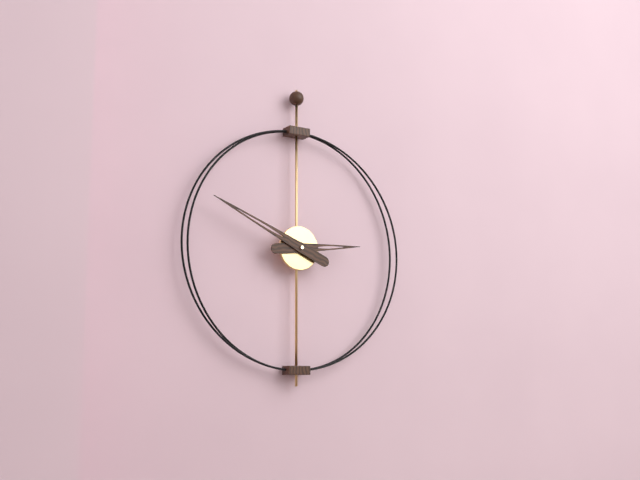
2,49
